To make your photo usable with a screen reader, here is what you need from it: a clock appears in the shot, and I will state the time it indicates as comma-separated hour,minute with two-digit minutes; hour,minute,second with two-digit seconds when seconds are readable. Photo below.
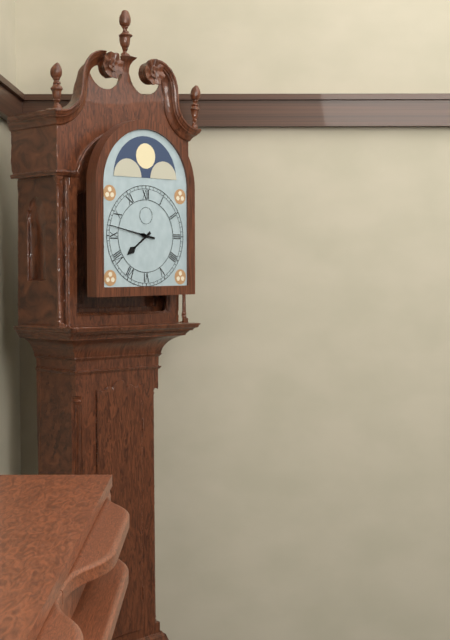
7,47
